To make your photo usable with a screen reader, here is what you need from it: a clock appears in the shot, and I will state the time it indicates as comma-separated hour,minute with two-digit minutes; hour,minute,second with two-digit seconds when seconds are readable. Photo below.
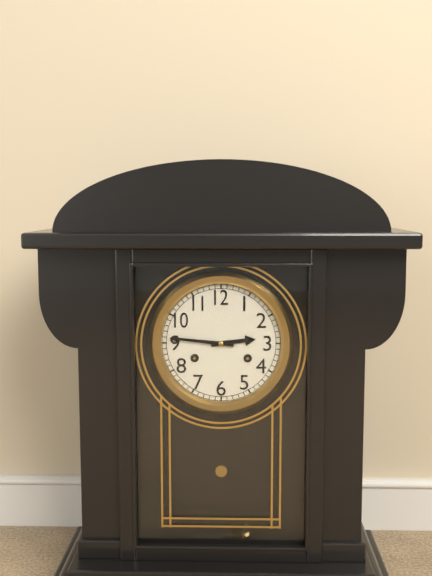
2,46
